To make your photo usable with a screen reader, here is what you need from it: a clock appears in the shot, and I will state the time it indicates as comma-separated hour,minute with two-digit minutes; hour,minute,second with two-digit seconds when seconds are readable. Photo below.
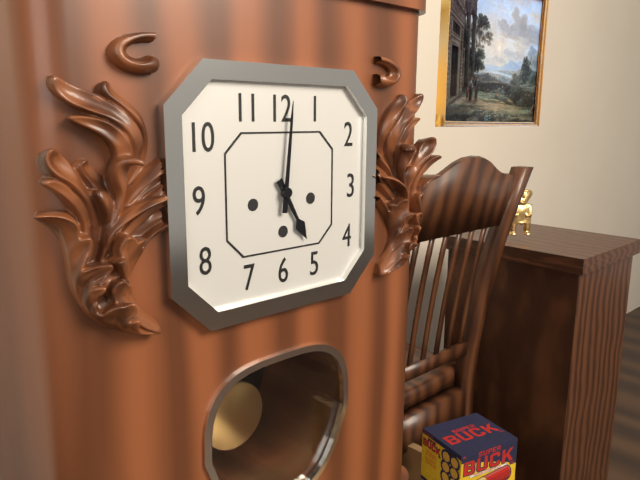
5,01
